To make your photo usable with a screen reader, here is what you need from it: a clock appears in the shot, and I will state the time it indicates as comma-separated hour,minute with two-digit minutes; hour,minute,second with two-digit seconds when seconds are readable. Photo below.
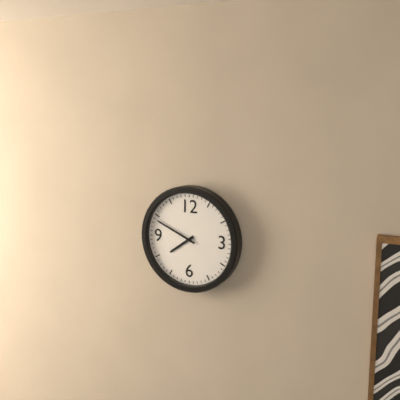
7,49
